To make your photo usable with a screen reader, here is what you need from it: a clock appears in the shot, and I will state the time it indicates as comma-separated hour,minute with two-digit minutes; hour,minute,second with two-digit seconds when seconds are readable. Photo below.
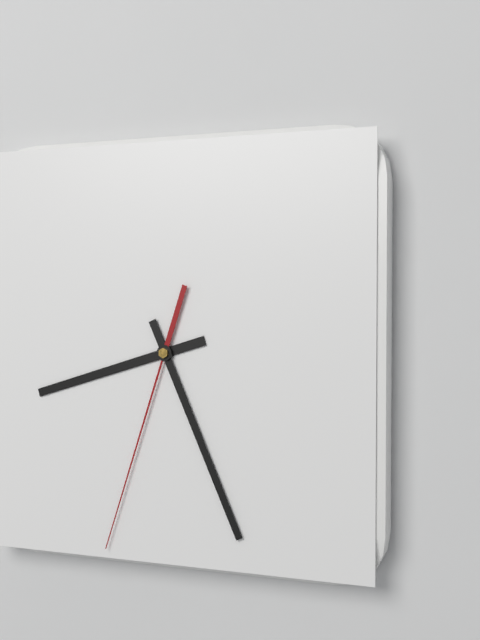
8,26,33
